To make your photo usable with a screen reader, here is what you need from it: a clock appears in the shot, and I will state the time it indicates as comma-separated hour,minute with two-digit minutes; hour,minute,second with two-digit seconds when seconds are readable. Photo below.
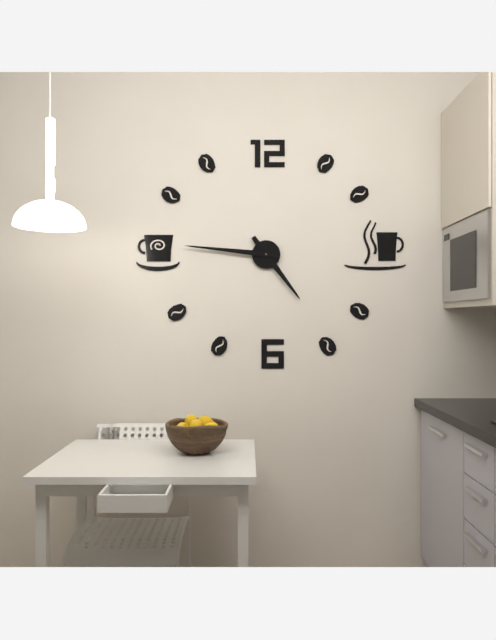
4,46
